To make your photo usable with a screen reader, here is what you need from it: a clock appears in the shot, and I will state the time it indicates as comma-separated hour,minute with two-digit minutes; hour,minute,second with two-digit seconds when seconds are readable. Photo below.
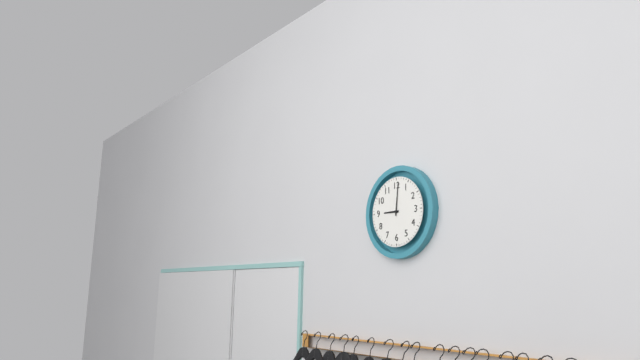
9,01
